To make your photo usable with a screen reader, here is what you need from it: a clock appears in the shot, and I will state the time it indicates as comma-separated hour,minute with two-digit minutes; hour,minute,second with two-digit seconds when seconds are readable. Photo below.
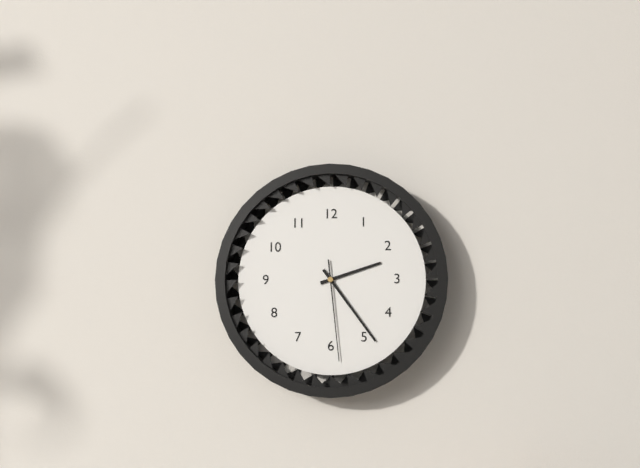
2,24,29
